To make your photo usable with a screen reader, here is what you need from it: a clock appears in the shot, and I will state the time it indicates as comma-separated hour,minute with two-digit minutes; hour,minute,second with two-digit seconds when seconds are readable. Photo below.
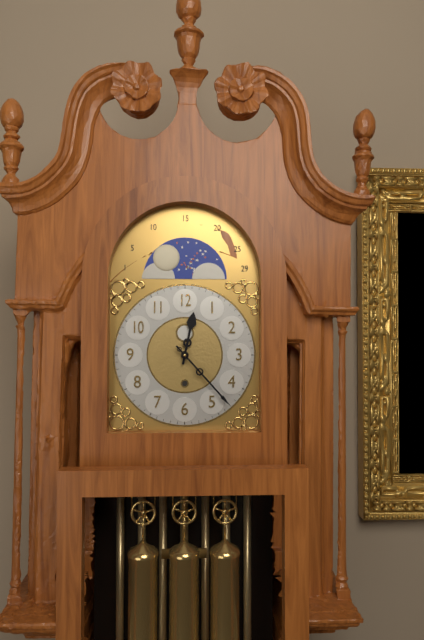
12,23
